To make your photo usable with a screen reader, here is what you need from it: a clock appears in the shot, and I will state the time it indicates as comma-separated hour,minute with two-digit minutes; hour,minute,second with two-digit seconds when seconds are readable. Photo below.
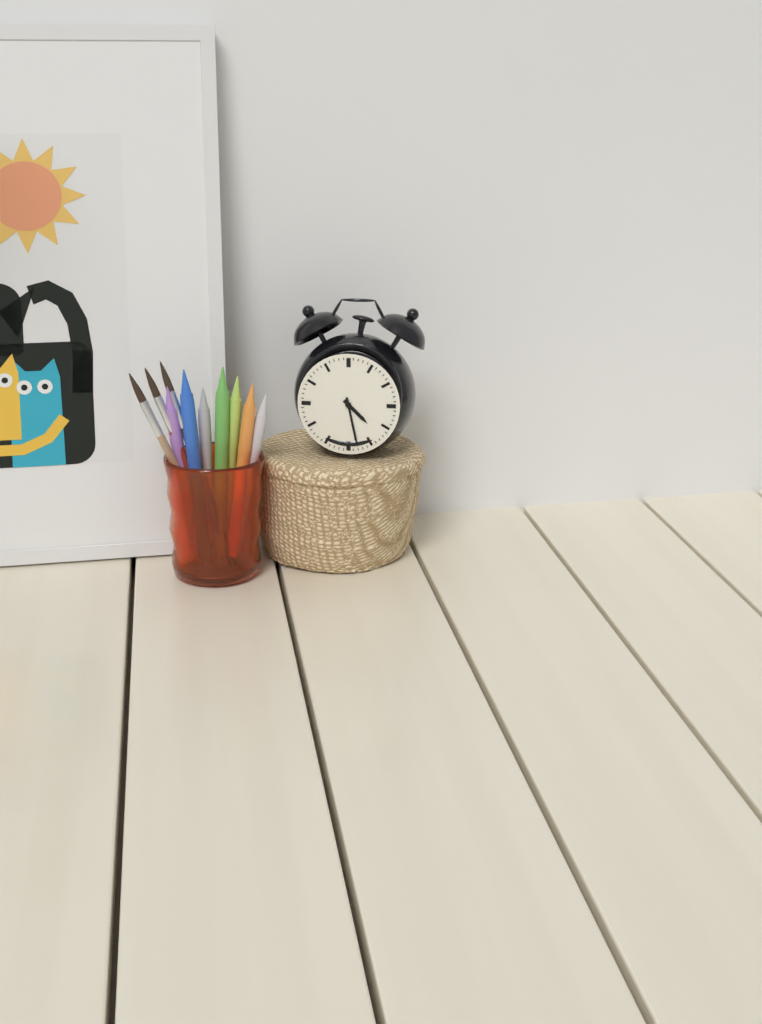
4,28
